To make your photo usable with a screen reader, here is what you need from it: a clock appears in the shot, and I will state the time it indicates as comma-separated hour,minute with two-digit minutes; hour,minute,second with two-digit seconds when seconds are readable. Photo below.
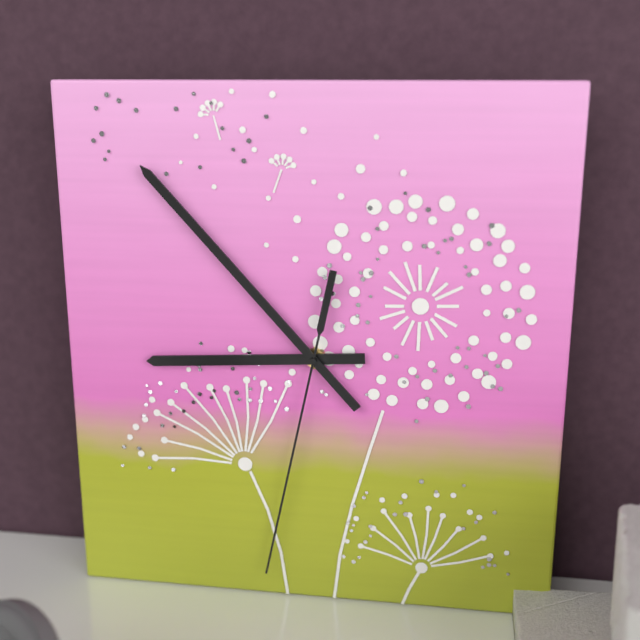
8,53,32
